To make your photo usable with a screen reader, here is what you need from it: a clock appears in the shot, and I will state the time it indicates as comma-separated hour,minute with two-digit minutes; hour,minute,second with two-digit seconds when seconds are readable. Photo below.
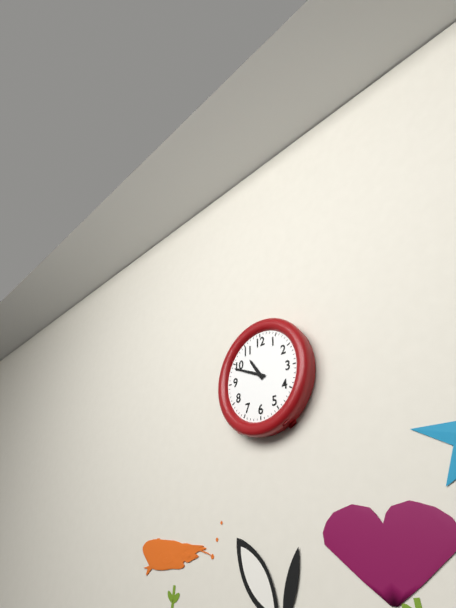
10,49
